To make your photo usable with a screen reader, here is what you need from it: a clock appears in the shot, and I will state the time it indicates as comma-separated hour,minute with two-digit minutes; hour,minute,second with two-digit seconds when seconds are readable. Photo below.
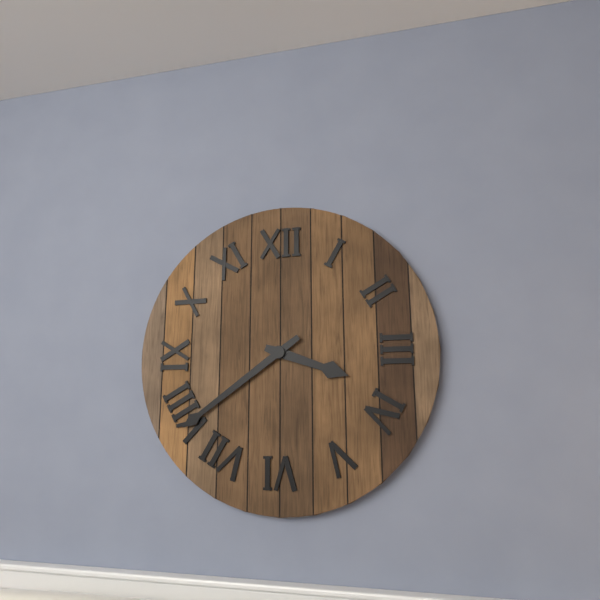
3,39
